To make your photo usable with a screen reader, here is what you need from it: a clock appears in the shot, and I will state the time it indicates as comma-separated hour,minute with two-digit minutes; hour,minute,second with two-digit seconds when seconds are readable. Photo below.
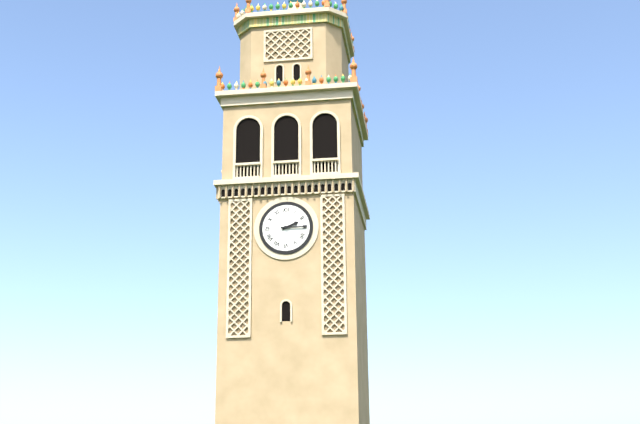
2,15
